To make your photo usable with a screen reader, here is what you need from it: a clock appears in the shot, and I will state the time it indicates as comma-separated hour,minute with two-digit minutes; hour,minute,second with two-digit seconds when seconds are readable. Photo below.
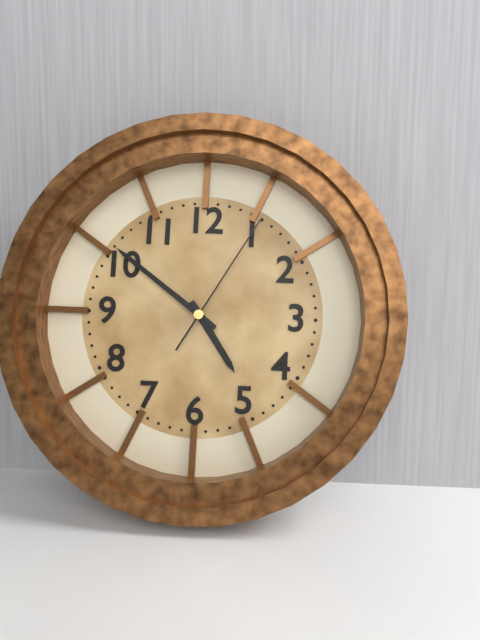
4,51,05
